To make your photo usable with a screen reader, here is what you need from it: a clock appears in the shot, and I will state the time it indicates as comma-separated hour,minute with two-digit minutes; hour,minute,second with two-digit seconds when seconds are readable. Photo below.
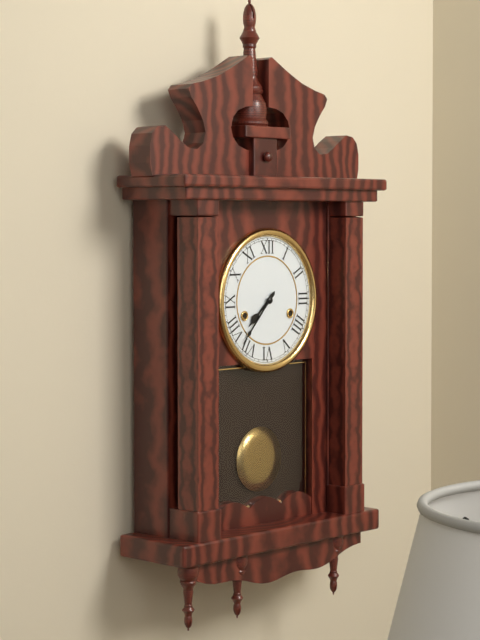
7,37
